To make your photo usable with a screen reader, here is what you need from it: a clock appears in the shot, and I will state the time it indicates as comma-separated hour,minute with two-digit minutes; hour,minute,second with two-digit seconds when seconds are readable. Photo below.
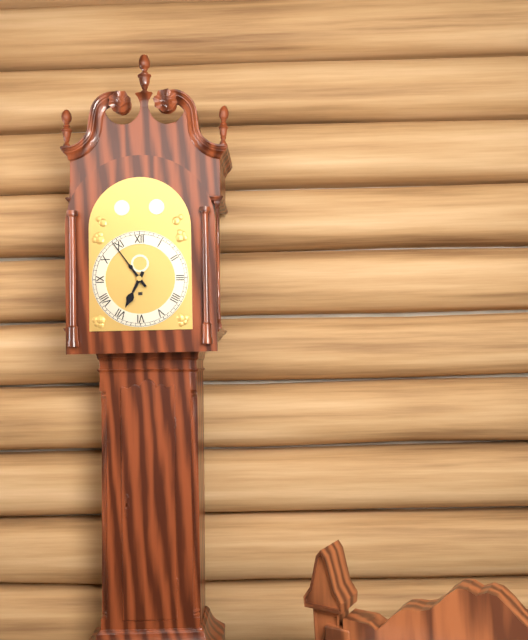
6,54
